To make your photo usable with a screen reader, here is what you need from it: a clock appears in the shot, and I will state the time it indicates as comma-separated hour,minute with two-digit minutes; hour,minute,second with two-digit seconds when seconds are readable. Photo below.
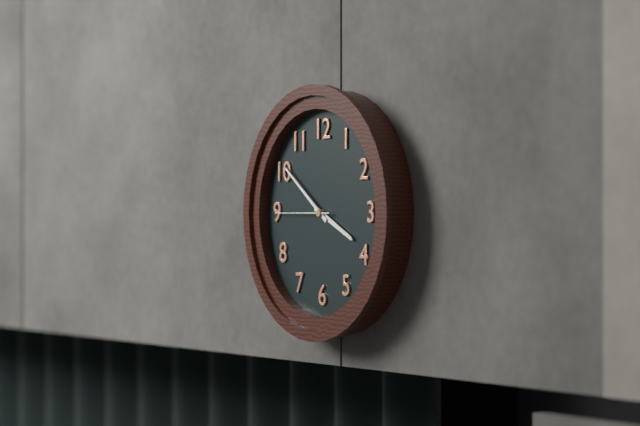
3,51,45
